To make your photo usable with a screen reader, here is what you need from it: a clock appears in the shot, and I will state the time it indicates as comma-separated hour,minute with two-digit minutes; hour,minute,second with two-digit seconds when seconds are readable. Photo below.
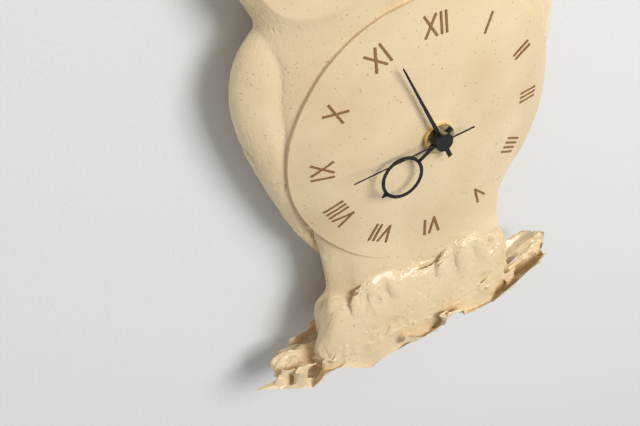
7,56,44
